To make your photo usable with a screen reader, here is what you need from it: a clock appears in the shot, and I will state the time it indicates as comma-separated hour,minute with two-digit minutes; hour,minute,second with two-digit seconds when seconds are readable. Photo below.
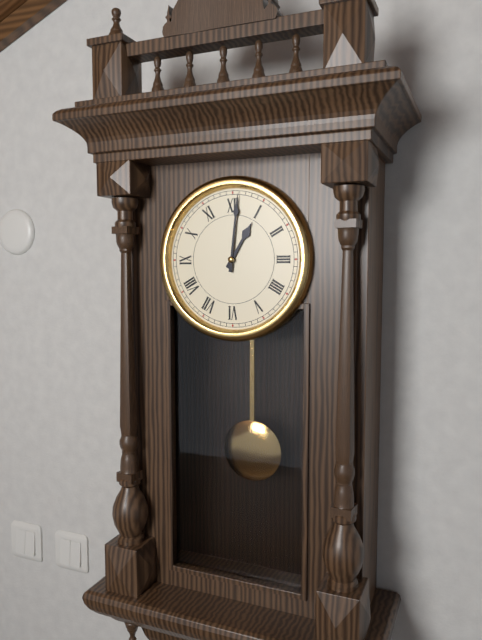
1,01
